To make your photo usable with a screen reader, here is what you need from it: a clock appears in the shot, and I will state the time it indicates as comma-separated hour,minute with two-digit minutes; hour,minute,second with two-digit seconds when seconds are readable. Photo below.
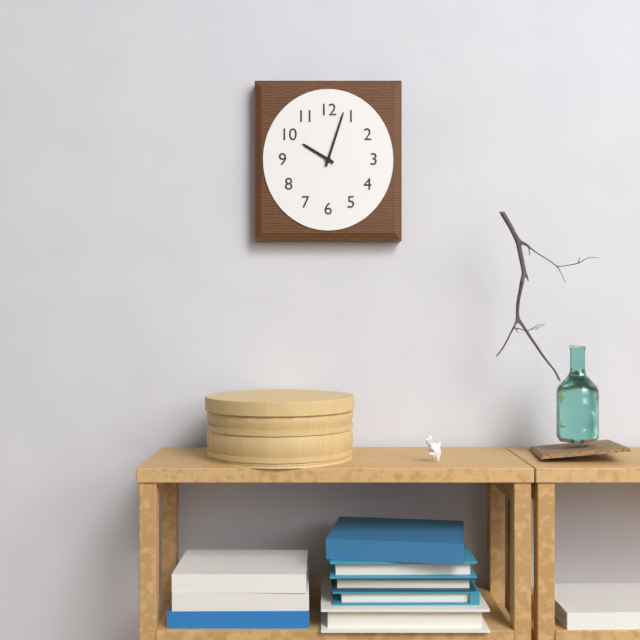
10,03
